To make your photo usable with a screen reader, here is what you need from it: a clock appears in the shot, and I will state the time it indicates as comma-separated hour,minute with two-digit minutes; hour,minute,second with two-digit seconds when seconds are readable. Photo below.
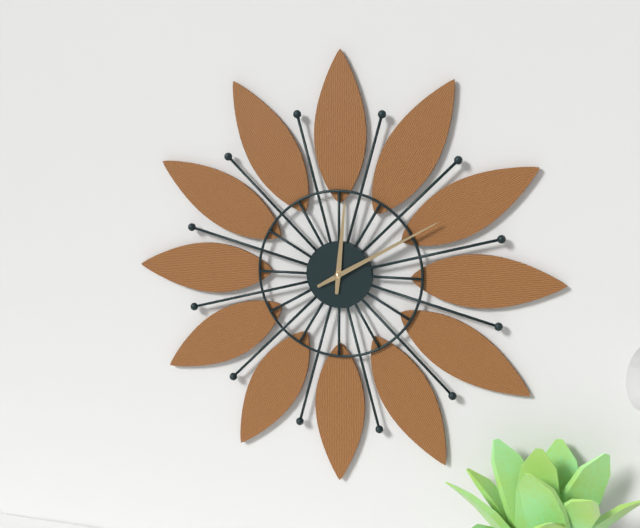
12,10
